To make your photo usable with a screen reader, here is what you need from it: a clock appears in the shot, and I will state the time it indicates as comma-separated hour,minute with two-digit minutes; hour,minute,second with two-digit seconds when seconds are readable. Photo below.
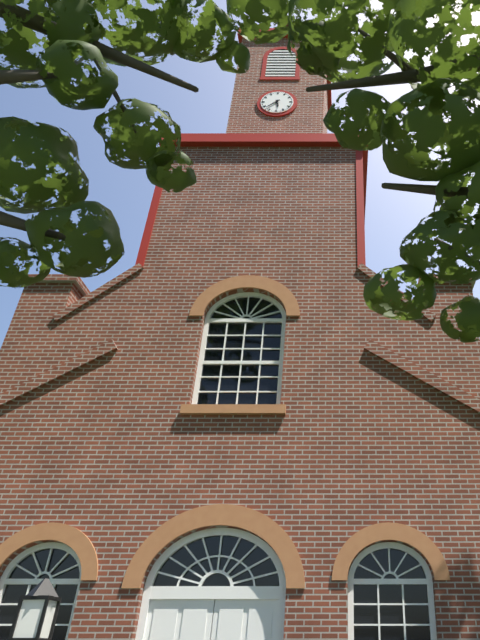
5,38
